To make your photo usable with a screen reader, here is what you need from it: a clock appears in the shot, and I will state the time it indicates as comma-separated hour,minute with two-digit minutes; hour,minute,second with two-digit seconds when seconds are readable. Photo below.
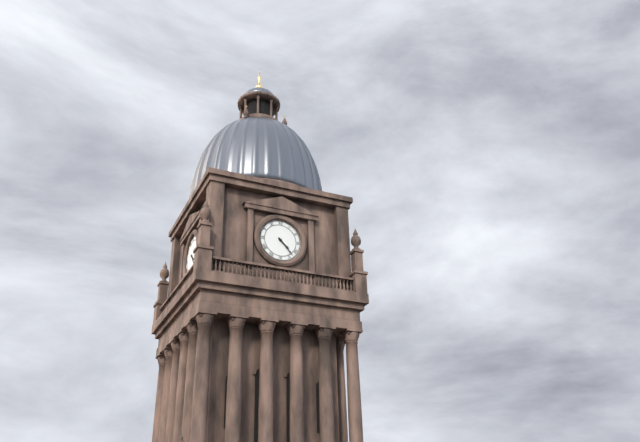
4,23
